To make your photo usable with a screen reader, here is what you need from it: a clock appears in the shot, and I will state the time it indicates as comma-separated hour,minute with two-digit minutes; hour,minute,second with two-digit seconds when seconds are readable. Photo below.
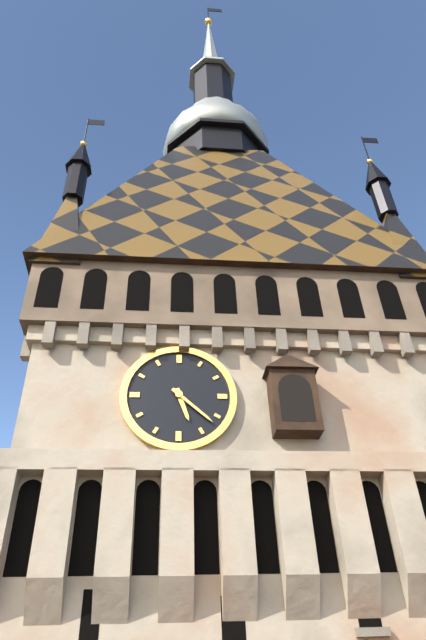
5,22
